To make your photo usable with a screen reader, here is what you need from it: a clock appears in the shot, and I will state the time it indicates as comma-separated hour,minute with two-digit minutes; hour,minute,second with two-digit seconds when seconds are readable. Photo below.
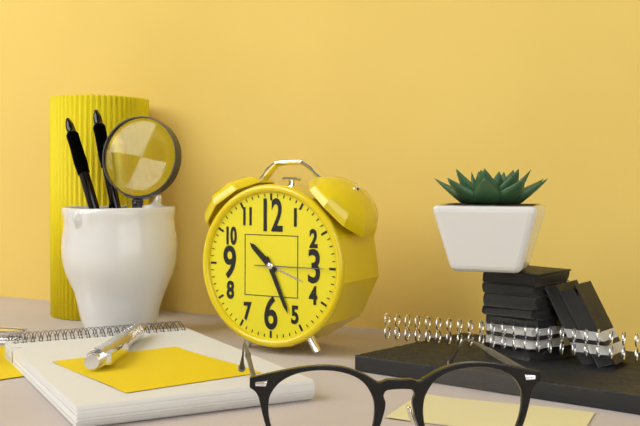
10,26,15
